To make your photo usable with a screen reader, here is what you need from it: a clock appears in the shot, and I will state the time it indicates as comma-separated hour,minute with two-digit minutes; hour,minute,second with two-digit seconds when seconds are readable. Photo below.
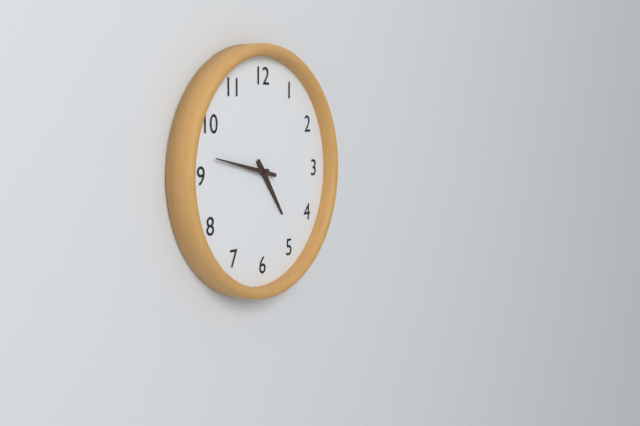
4,47
